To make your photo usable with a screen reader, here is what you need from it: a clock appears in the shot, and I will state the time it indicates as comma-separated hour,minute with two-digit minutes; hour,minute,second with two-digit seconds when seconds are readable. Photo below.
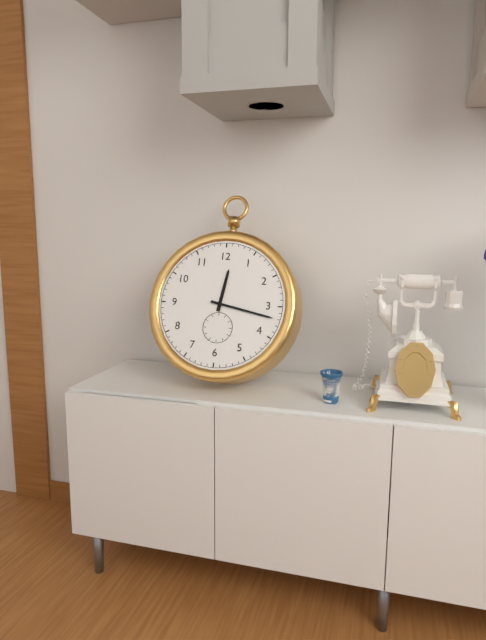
12,17
